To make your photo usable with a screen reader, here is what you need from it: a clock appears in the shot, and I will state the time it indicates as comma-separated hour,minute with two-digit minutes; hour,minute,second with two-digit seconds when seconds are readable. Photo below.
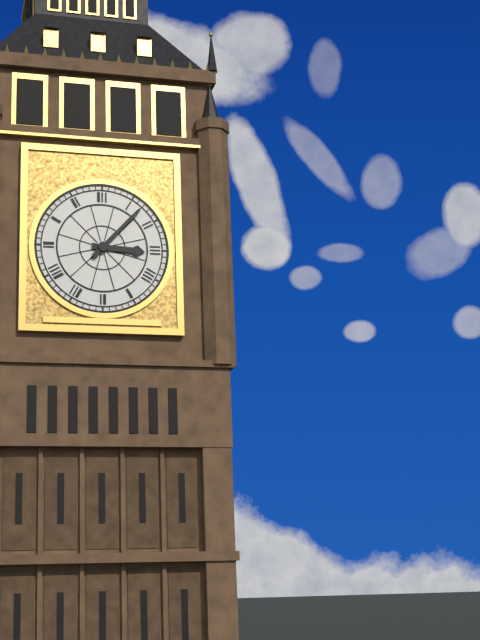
3,07
